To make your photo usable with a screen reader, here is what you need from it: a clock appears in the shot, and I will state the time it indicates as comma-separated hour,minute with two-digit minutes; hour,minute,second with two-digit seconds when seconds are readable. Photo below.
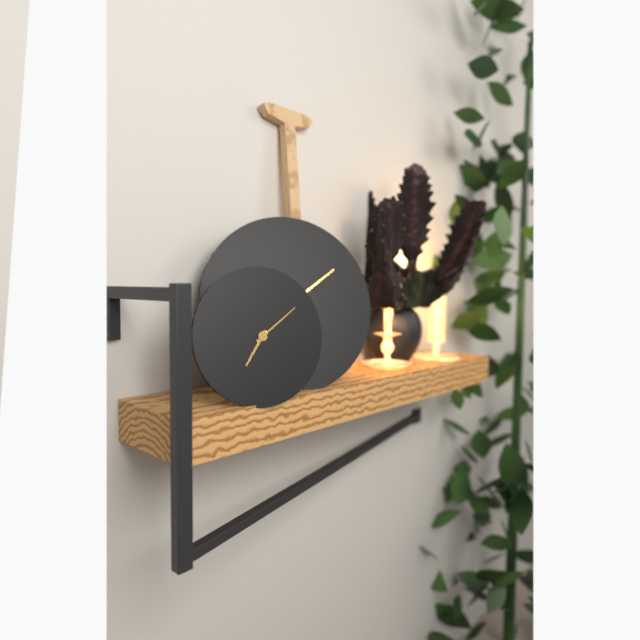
7,09
